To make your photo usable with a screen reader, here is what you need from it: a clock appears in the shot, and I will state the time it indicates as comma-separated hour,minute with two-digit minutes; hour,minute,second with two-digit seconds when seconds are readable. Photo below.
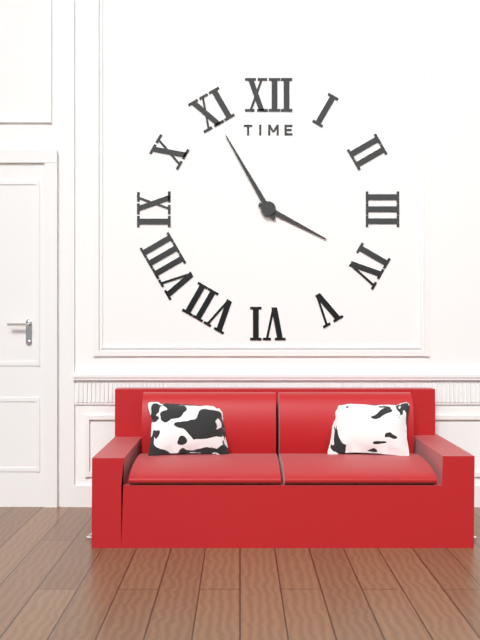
3,55
